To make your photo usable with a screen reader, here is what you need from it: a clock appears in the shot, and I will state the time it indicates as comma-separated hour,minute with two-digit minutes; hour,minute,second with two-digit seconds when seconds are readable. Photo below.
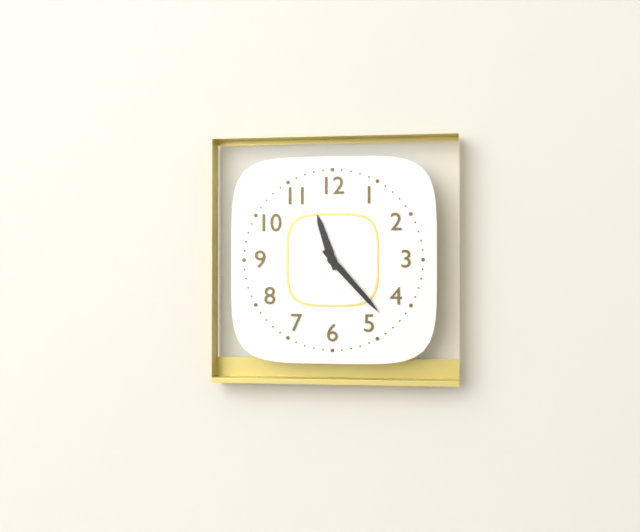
11,23
